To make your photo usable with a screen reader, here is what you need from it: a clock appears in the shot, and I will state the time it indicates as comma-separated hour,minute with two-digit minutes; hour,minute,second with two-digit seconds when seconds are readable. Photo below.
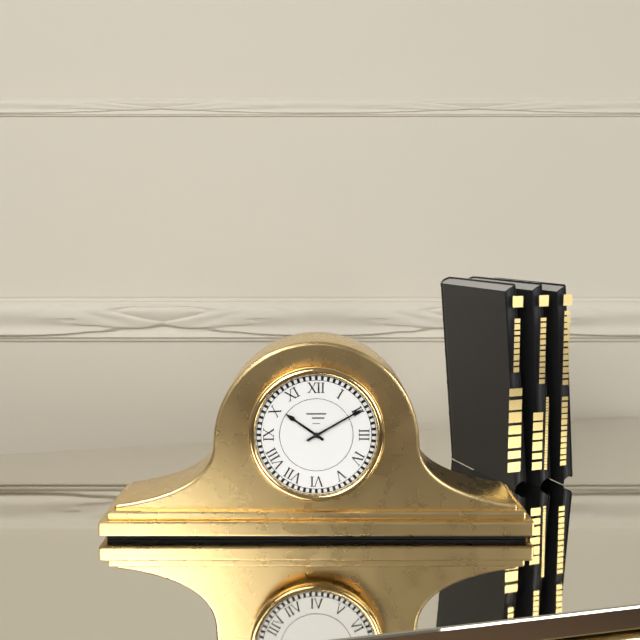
10,10
